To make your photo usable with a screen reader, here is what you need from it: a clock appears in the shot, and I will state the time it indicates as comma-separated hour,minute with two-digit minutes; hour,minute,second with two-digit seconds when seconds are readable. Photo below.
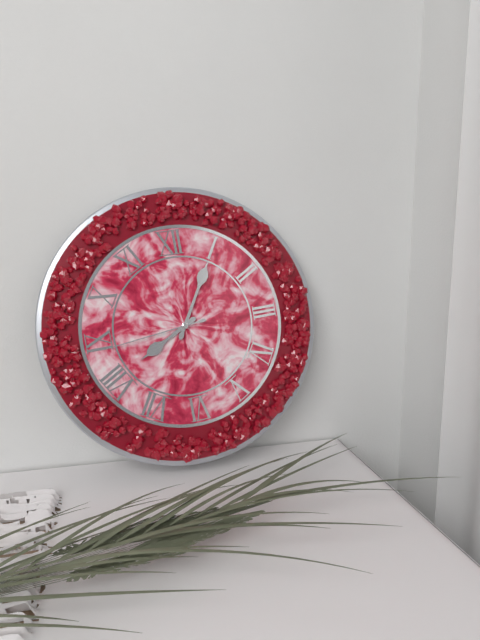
8,05,44
